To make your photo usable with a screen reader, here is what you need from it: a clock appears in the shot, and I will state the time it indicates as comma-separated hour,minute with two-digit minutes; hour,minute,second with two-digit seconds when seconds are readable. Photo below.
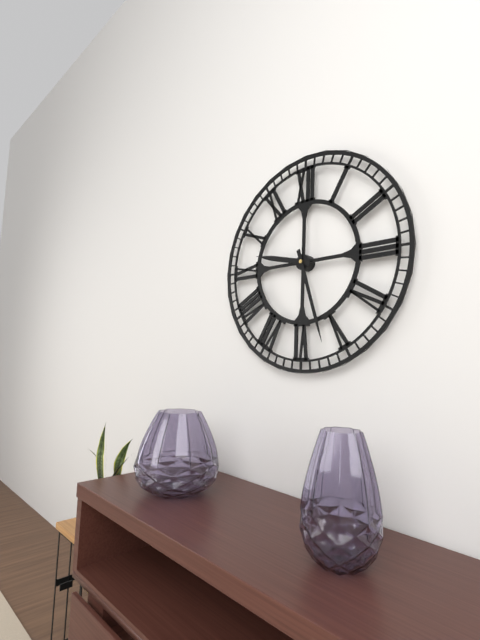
9,27
